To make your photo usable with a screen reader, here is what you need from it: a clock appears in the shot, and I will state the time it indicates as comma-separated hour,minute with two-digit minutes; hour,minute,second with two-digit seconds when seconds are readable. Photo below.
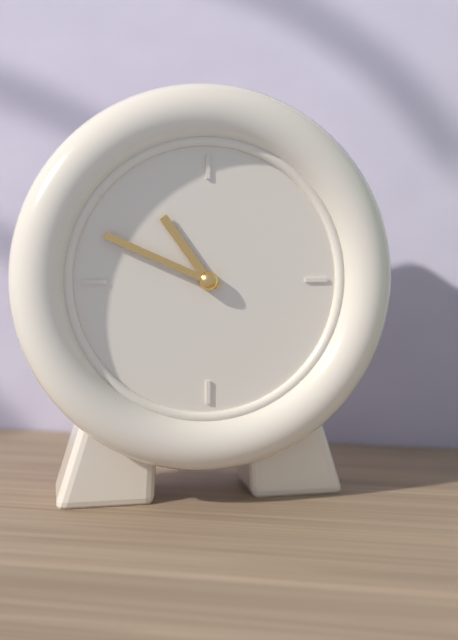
10,49
